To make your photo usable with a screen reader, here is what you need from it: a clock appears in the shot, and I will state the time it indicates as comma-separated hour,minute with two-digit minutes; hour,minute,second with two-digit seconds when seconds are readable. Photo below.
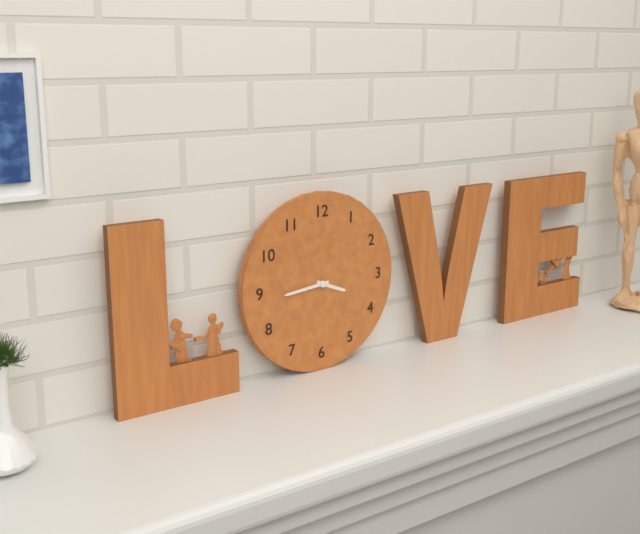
3,44
